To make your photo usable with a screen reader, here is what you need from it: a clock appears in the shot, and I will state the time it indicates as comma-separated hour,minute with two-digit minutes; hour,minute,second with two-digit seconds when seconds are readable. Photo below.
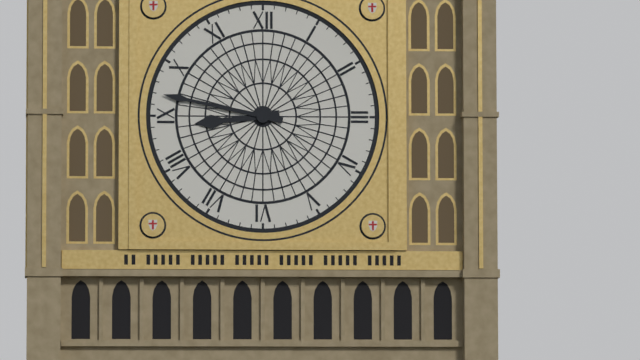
8,47
